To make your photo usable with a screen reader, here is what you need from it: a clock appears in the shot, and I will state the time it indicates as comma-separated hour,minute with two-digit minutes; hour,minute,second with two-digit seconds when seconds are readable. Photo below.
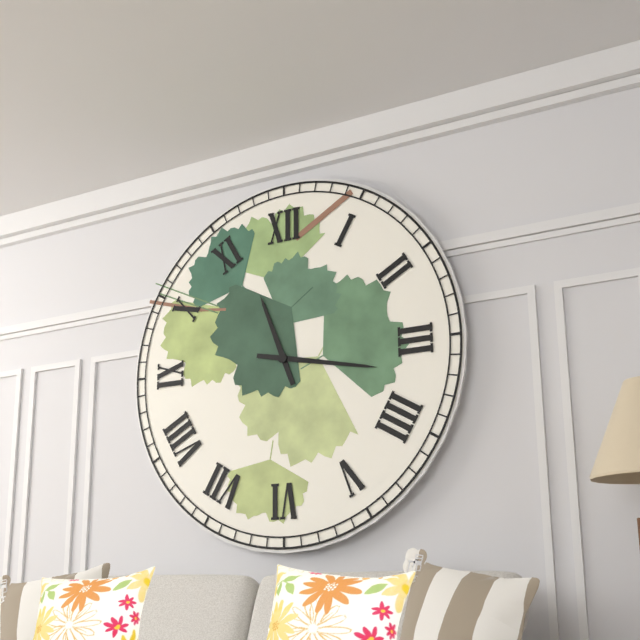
11,17
